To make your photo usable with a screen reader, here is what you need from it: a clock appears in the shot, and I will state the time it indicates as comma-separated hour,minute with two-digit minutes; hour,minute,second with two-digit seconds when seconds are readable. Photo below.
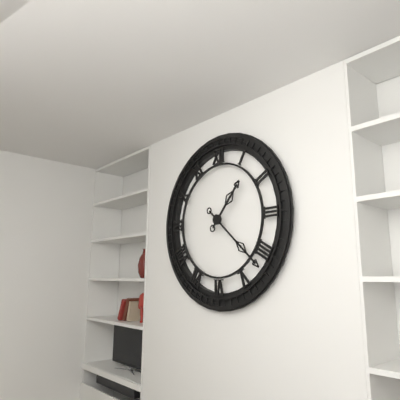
1,22
